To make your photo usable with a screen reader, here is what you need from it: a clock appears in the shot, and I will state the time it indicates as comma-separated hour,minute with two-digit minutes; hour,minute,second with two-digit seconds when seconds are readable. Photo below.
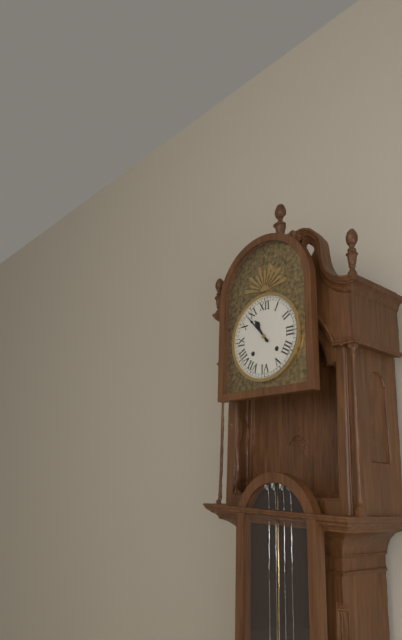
10,53
